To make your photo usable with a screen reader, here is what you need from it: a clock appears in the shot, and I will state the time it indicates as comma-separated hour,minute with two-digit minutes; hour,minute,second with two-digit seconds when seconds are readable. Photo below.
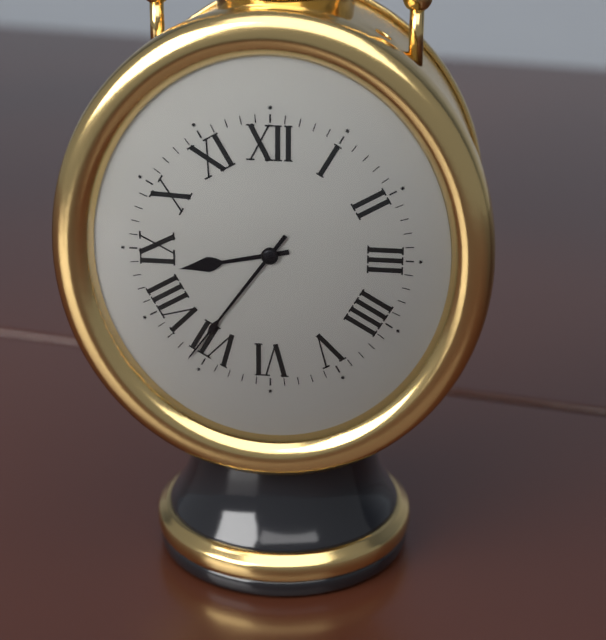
8,36
